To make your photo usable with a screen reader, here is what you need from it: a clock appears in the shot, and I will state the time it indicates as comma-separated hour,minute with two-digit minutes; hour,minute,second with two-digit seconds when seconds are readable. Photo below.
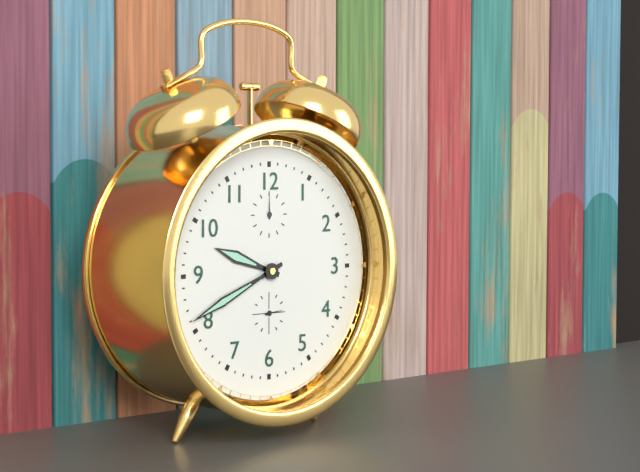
9,41
